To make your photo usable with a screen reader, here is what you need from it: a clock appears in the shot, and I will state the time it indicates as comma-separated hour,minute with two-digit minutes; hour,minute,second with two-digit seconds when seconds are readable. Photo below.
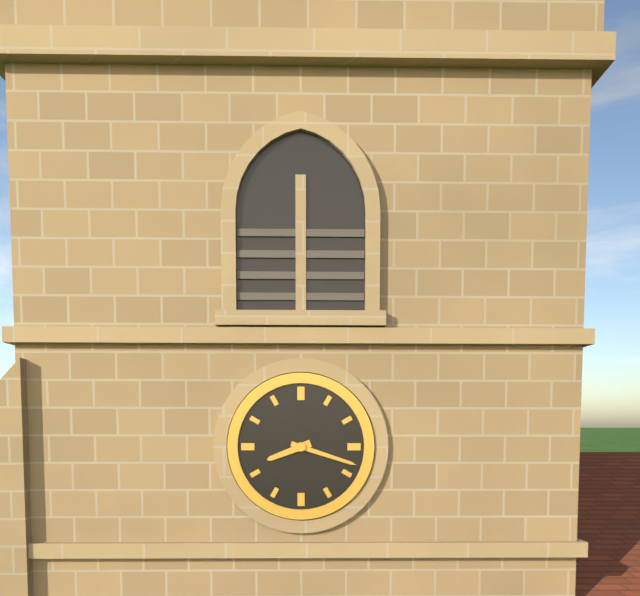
8,18
